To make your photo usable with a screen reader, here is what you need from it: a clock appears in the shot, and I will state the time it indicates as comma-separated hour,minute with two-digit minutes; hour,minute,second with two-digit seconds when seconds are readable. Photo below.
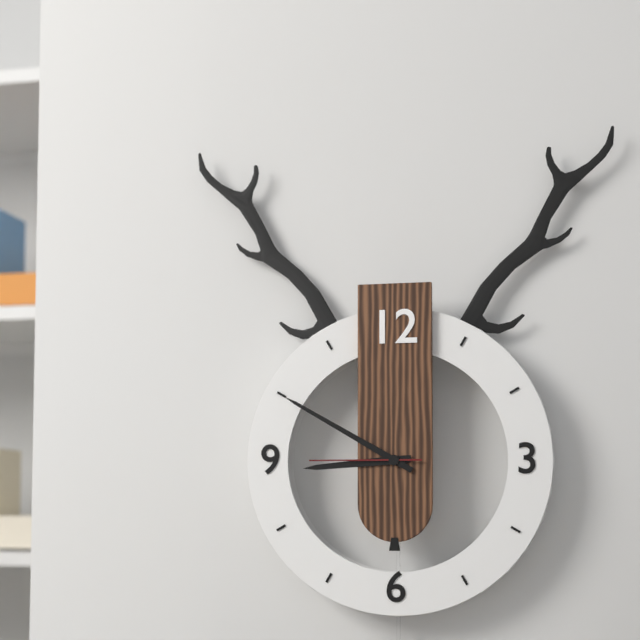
8,50,45
